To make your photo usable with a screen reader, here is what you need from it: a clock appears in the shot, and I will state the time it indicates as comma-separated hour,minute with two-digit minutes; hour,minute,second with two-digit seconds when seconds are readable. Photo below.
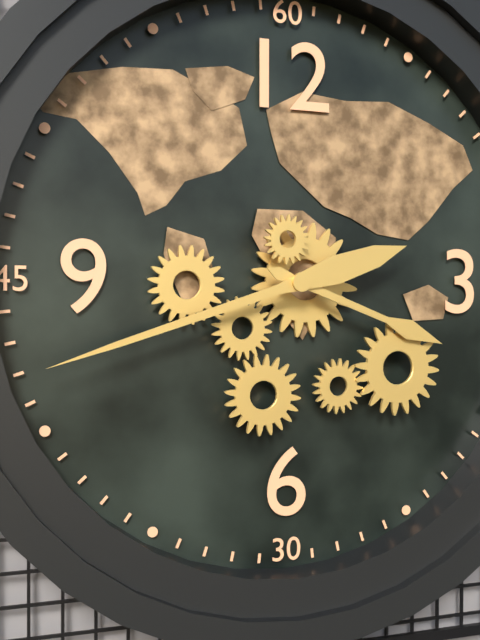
3,42
